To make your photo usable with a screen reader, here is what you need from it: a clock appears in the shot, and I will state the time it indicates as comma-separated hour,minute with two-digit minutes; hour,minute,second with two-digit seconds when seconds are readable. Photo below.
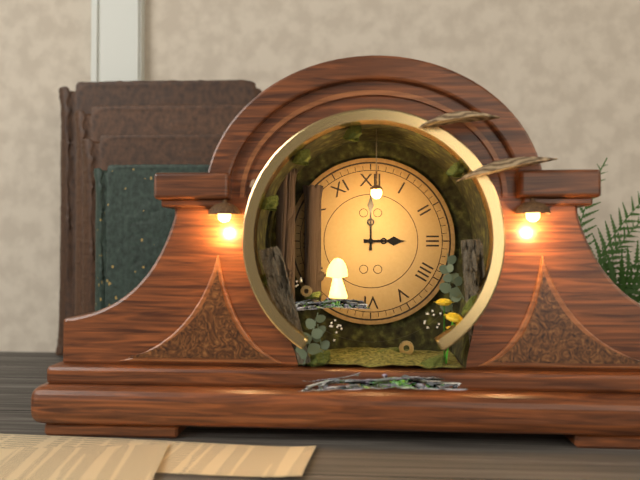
3,00
